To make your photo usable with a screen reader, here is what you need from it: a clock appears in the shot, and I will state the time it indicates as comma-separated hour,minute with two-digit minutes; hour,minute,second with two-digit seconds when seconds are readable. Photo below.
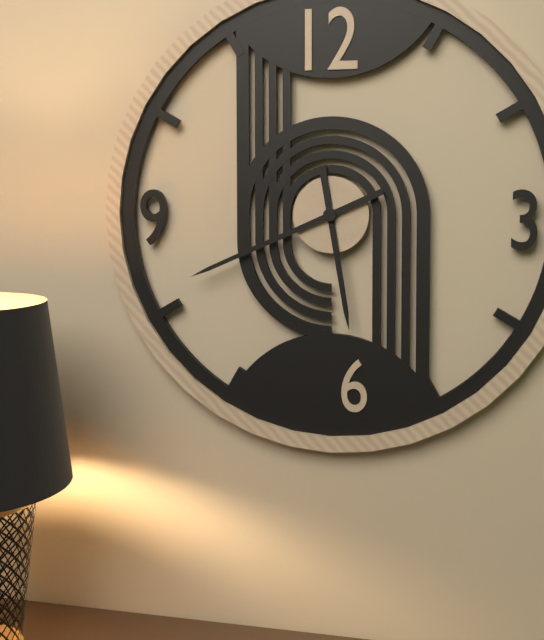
5,41
